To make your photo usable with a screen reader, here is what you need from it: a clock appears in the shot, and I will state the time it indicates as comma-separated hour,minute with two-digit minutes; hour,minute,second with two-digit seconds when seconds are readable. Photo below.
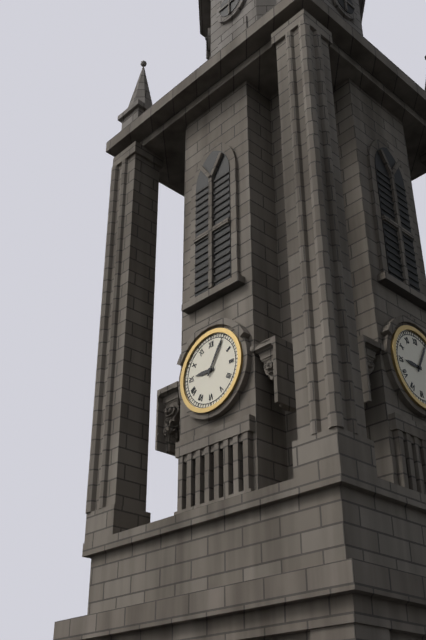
9,05
